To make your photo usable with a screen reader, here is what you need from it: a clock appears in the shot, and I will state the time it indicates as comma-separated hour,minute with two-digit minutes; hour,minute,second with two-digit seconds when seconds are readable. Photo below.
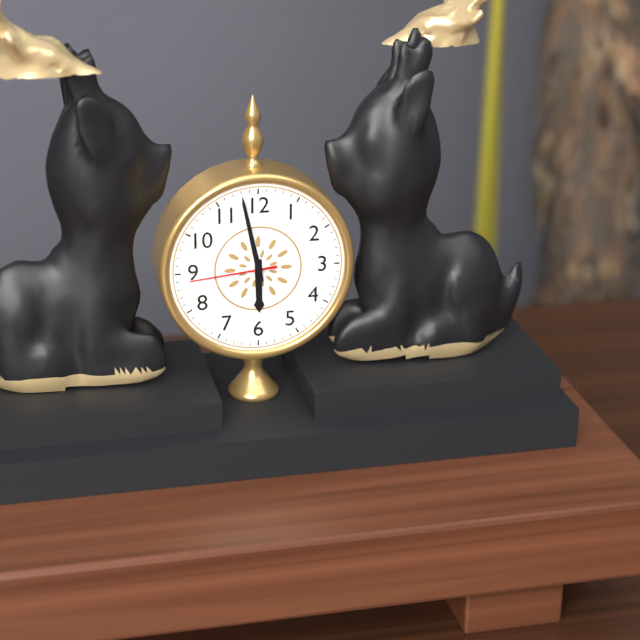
5,58,44
